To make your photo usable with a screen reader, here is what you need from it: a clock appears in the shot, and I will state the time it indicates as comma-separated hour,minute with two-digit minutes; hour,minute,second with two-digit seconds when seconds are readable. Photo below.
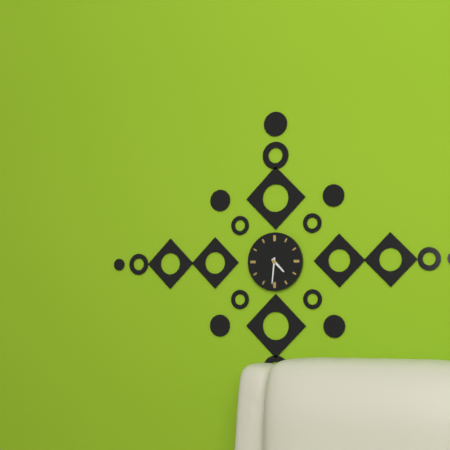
4,31
